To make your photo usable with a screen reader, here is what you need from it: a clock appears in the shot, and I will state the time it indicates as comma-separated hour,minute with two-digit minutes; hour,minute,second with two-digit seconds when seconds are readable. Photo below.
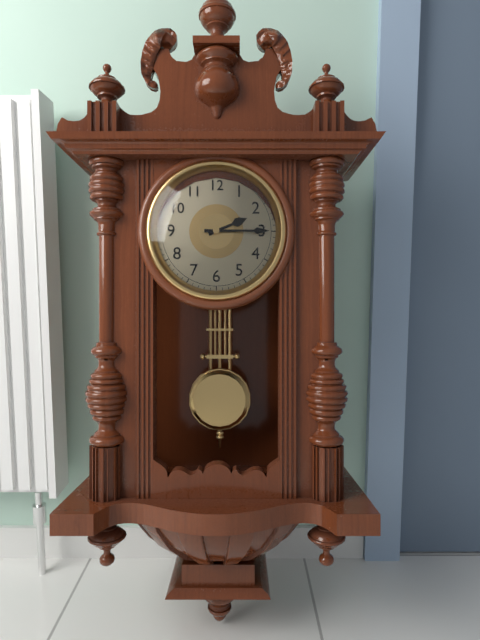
2,15
